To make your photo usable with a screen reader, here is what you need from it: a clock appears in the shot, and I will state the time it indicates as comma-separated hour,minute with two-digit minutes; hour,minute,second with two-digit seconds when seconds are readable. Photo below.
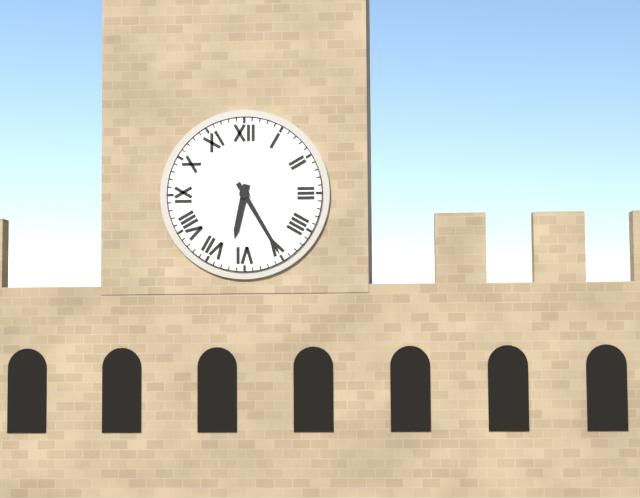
6,25
